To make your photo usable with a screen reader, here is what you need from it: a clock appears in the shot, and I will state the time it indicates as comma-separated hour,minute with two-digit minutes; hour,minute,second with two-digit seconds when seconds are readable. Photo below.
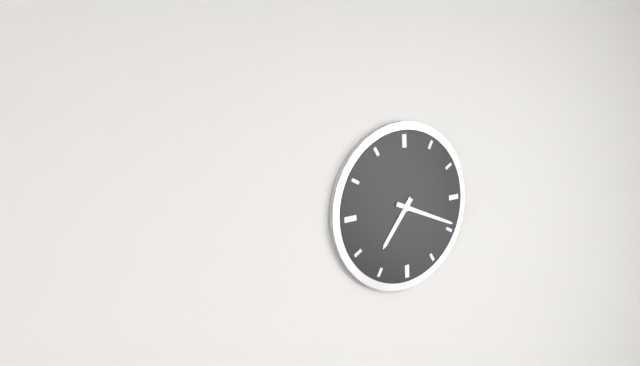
7,19
